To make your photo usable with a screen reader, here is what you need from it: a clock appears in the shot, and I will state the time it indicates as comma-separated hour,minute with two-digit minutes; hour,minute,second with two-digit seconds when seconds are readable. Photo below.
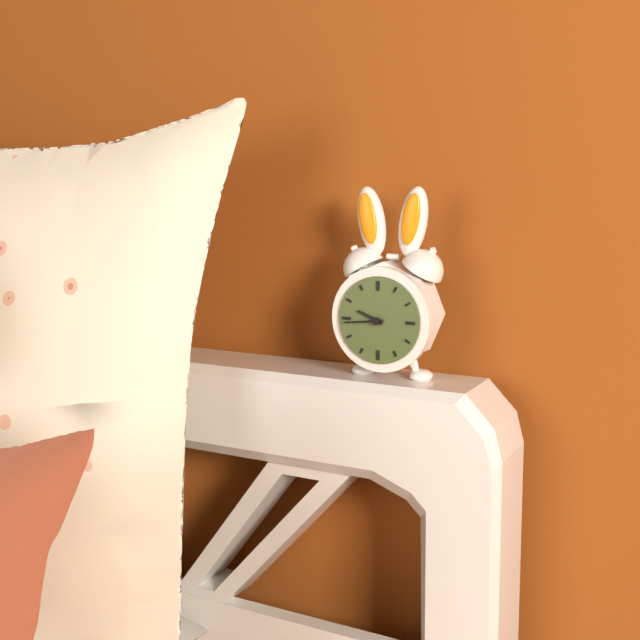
9,44
